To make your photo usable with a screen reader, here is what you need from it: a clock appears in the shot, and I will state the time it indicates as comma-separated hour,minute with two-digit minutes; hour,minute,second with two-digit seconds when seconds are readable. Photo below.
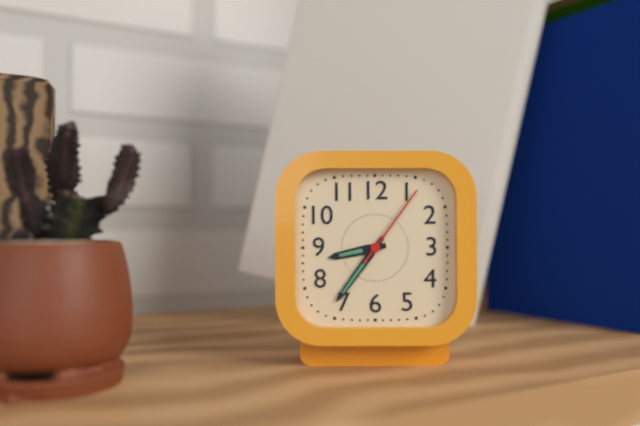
8,36,06
